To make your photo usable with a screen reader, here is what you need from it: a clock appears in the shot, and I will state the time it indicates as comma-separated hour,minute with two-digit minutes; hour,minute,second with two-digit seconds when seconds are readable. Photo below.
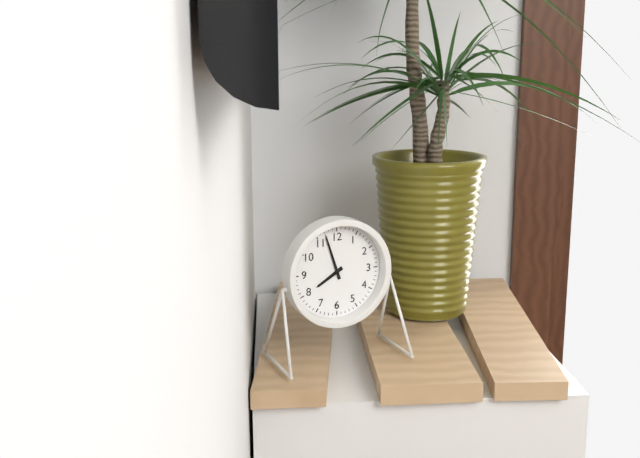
7,57
